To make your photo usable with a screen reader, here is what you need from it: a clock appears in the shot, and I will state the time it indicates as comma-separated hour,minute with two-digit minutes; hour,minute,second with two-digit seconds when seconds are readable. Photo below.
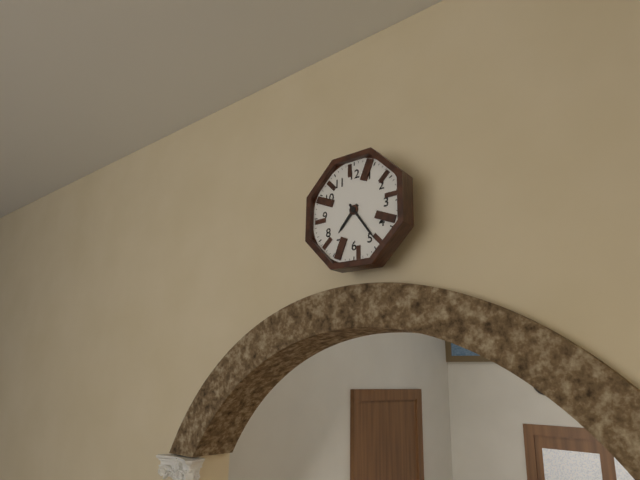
7,24
